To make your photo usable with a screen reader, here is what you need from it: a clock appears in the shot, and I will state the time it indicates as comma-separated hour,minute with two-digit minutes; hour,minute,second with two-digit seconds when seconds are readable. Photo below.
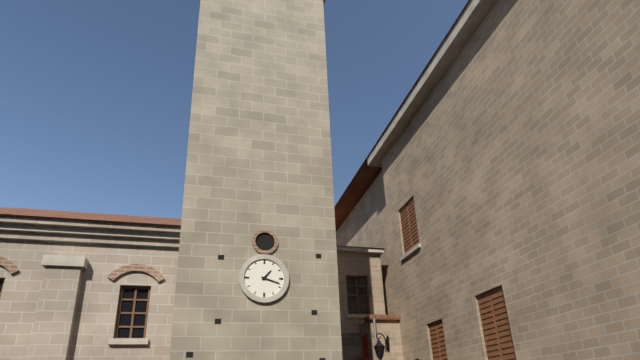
1,18
